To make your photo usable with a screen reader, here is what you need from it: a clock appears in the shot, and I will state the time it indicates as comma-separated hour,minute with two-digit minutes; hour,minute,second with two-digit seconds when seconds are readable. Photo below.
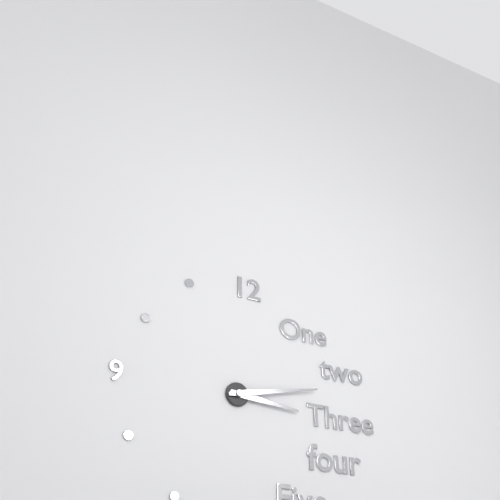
3,13
